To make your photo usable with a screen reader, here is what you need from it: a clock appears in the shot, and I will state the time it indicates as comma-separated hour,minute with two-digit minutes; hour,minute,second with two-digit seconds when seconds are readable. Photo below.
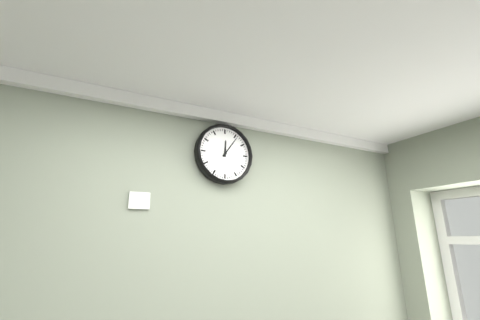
12,06
